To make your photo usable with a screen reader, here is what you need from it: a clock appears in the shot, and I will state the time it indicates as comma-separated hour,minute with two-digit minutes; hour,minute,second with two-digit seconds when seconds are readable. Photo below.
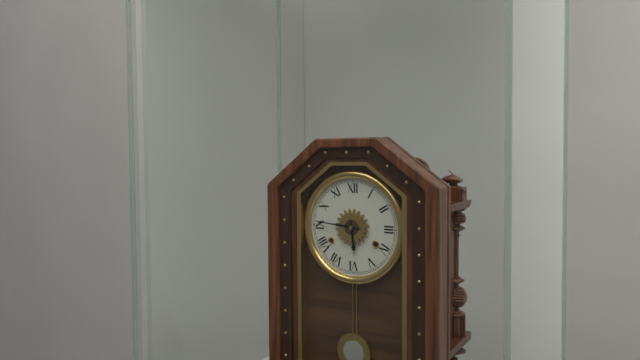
5,46
